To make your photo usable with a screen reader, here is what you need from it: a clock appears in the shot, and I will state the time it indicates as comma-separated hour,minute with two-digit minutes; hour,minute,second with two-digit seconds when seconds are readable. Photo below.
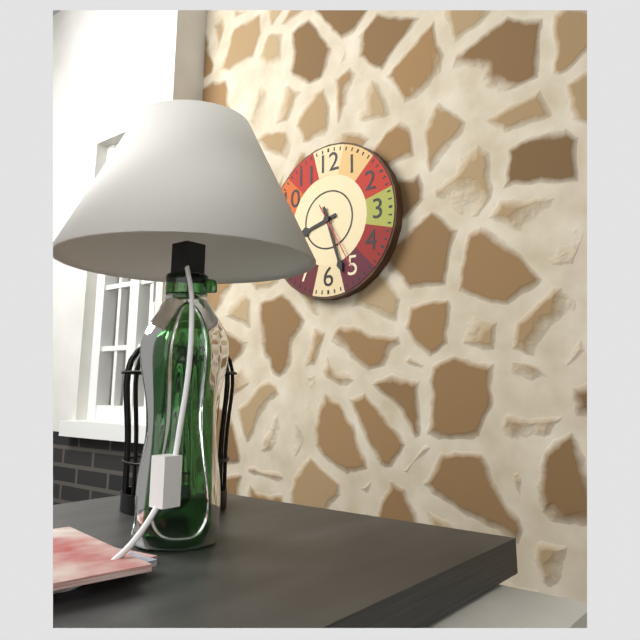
8,27,25
